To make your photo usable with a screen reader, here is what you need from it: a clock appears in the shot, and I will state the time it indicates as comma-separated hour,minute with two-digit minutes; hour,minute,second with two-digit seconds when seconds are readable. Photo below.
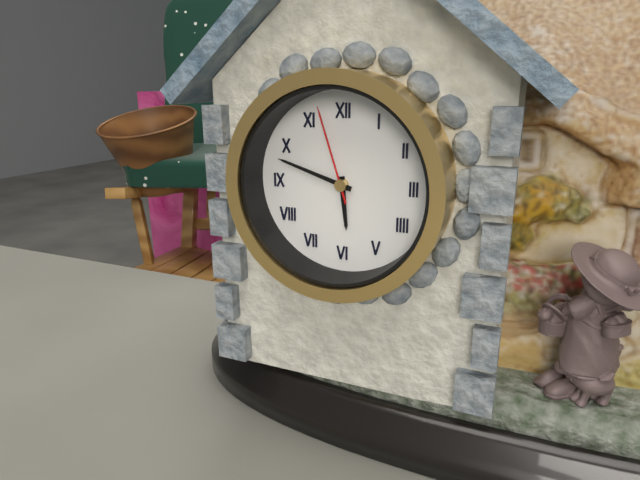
5,48,57
